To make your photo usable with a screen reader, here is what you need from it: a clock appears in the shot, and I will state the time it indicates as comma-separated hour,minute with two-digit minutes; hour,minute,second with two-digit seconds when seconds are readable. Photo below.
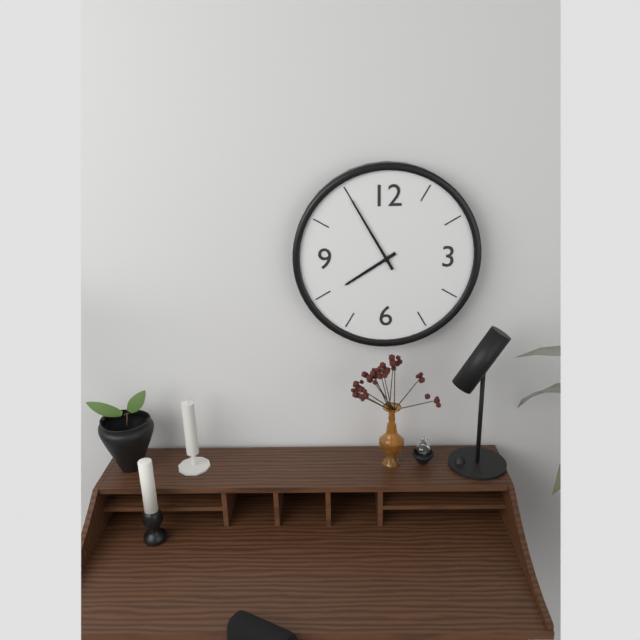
7,55
